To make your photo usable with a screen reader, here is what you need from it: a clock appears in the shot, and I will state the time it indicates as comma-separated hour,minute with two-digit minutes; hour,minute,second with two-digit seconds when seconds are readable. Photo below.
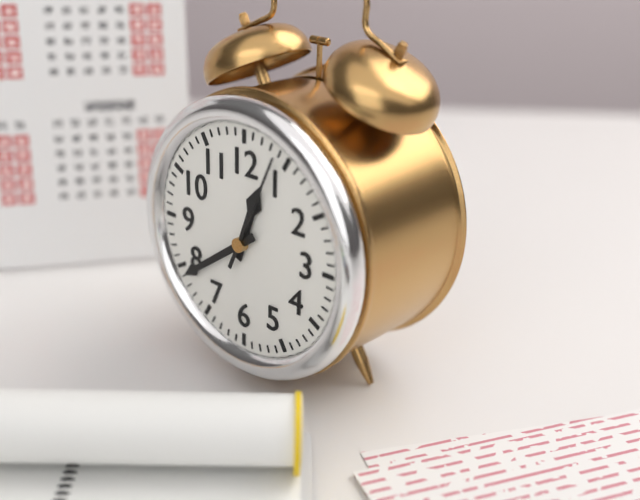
12,39,04
